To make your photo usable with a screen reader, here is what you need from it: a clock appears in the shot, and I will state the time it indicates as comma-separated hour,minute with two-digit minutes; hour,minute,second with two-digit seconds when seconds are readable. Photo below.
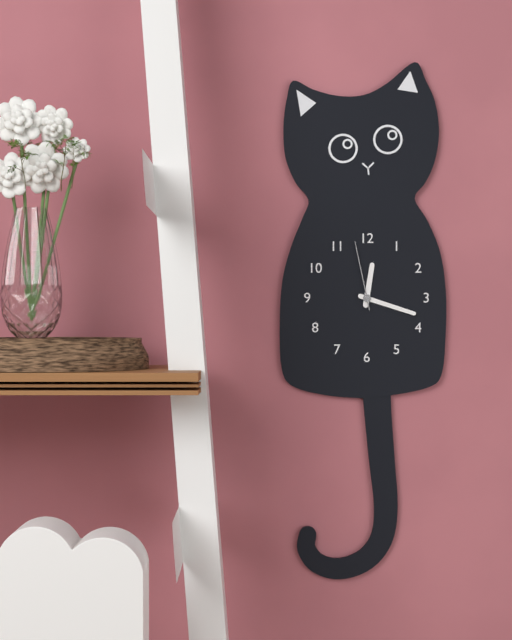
12,18,58
